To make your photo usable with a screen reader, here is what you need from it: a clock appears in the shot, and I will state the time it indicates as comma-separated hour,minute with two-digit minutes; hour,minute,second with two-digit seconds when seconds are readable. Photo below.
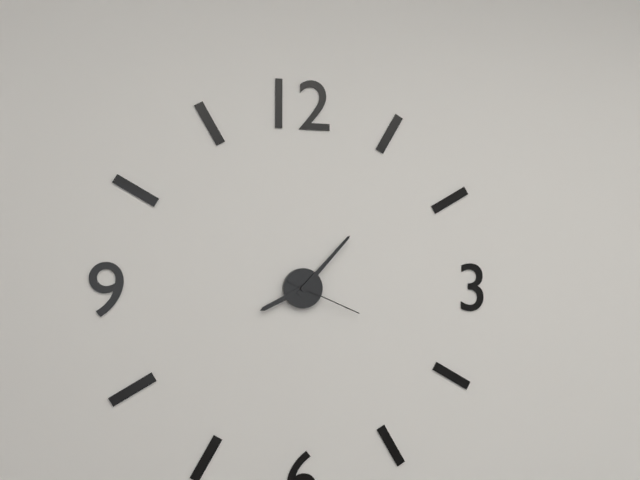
8,07,19
